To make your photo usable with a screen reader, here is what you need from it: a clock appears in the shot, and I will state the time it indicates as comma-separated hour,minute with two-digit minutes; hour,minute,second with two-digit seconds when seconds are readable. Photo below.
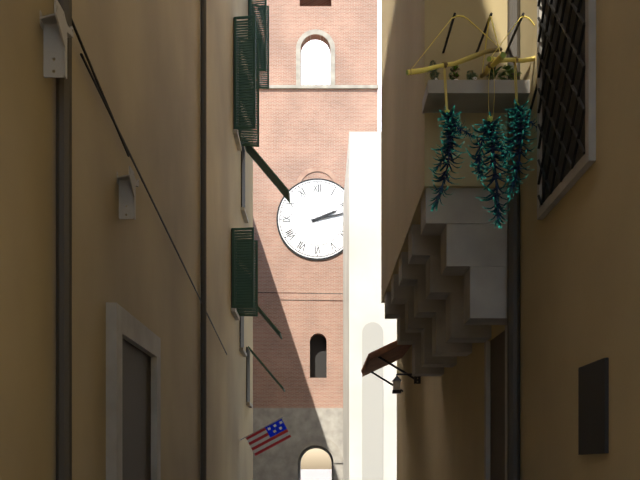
2,13
